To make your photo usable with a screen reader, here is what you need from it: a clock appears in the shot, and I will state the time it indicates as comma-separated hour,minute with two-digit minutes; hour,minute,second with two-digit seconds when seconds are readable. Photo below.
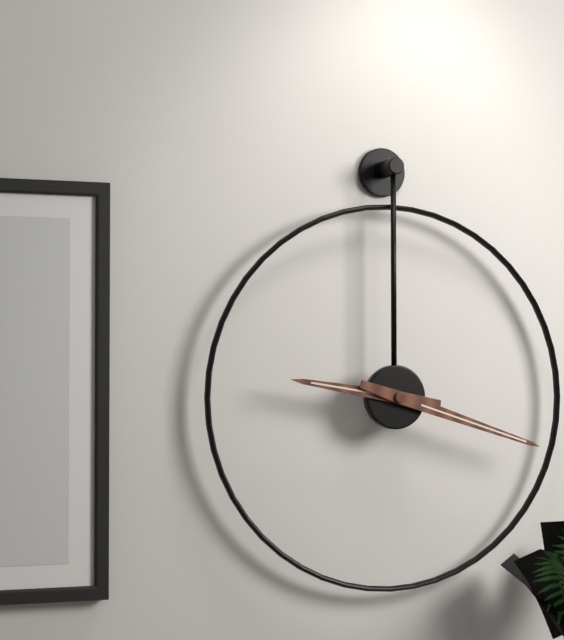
9,18
